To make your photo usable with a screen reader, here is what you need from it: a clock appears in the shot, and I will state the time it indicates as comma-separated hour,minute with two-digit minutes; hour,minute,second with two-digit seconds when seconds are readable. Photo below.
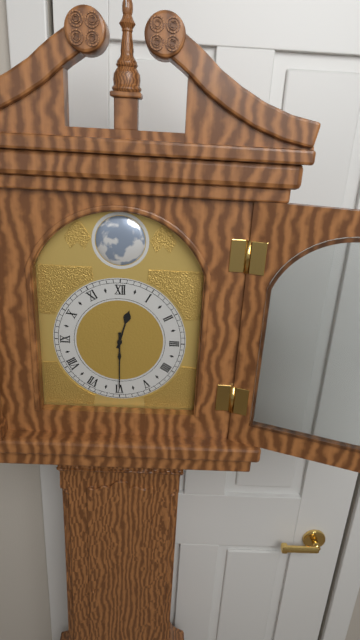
12,30
